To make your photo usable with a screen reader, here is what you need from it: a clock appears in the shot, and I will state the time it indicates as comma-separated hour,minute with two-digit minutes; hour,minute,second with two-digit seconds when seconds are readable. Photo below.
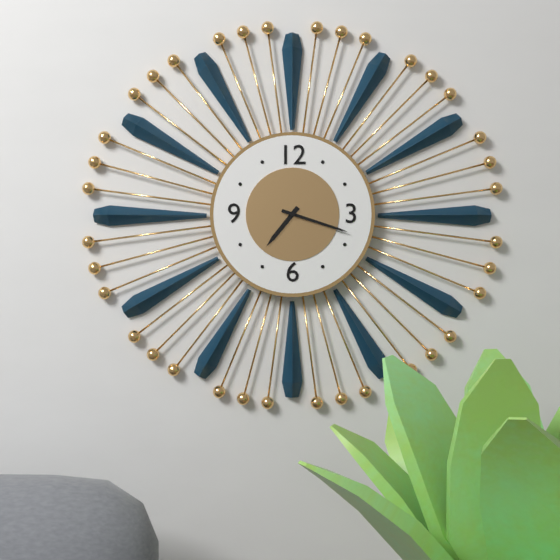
7,18
